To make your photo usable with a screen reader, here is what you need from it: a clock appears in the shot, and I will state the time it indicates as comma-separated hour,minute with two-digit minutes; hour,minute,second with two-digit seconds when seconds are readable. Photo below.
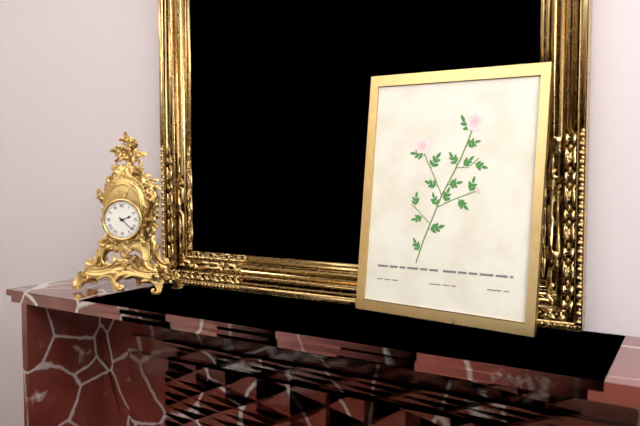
2,22
